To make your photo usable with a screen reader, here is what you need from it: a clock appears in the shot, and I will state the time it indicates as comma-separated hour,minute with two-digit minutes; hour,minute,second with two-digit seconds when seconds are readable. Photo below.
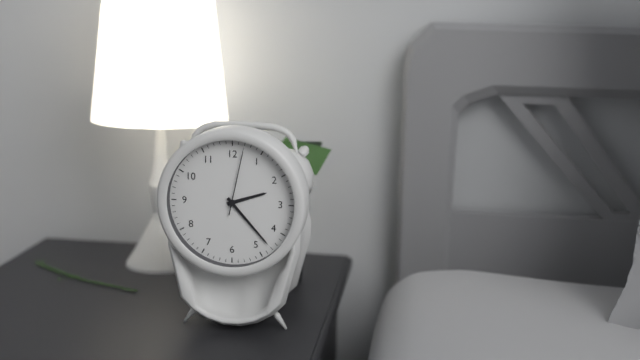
2,23,02
